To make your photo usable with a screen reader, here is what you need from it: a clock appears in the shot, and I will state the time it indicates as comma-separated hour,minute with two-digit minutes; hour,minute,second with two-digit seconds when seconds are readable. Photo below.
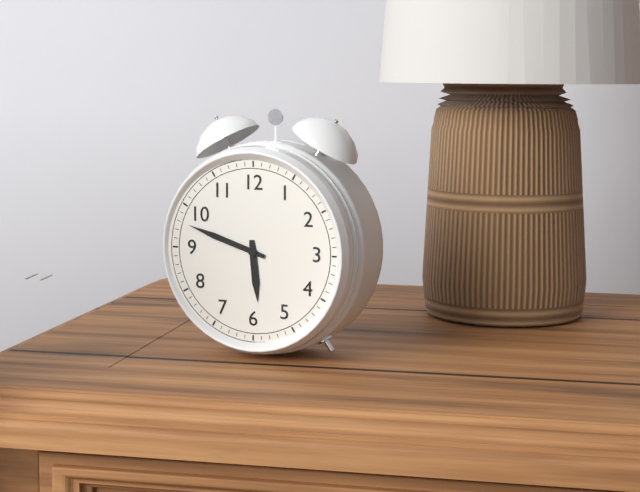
5,48
